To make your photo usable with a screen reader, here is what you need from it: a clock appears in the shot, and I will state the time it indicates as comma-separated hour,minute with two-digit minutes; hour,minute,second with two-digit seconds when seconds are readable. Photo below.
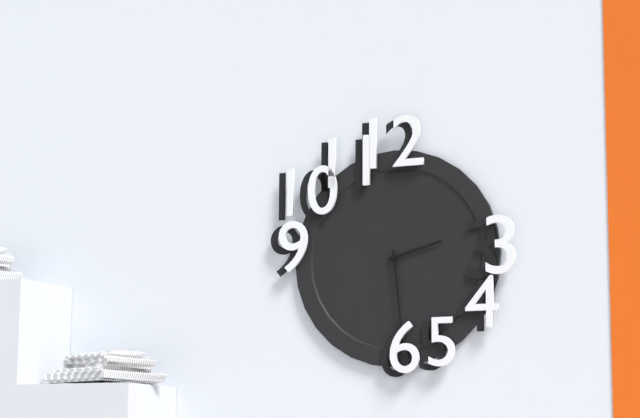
2,29
